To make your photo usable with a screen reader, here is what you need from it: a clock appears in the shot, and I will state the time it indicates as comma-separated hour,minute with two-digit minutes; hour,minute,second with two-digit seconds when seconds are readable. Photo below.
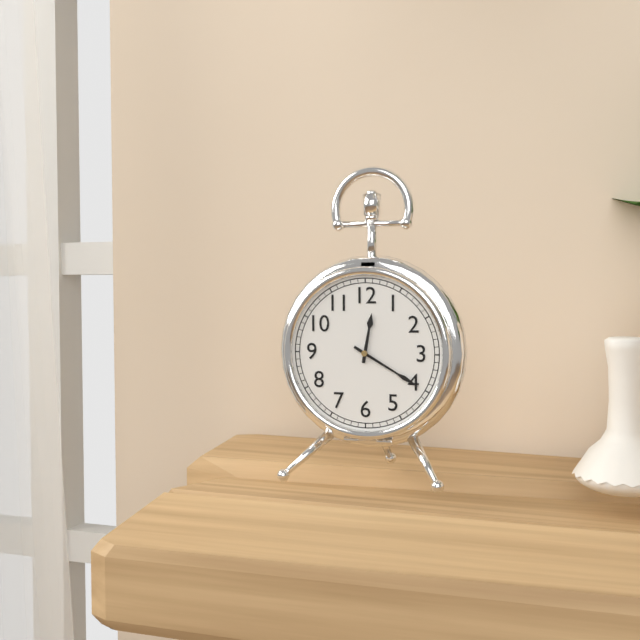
12,20
